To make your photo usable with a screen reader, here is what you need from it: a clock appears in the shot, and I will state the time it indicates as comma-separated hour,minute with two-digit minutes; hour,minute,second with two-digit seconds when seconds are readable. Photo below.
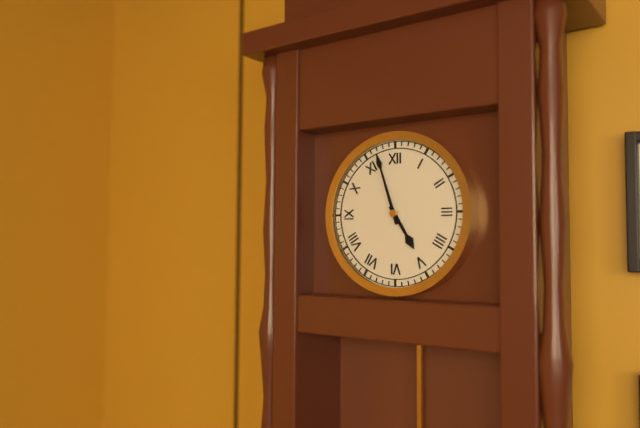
4,57
